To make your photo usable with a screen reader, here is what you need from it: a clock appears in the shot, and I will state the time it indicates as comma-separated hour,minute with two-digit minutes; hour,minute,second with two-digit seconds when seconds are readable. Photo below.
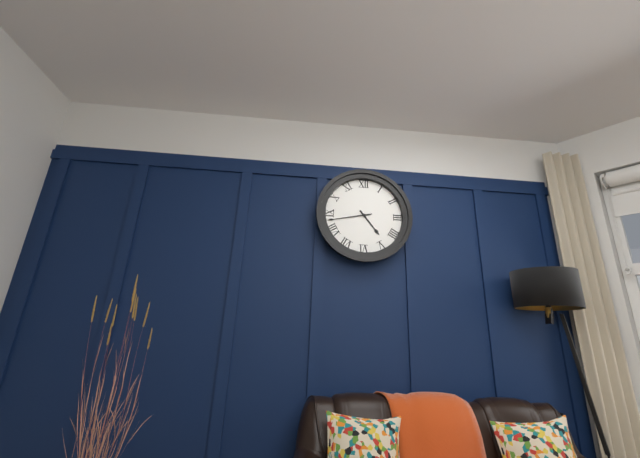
4,43
